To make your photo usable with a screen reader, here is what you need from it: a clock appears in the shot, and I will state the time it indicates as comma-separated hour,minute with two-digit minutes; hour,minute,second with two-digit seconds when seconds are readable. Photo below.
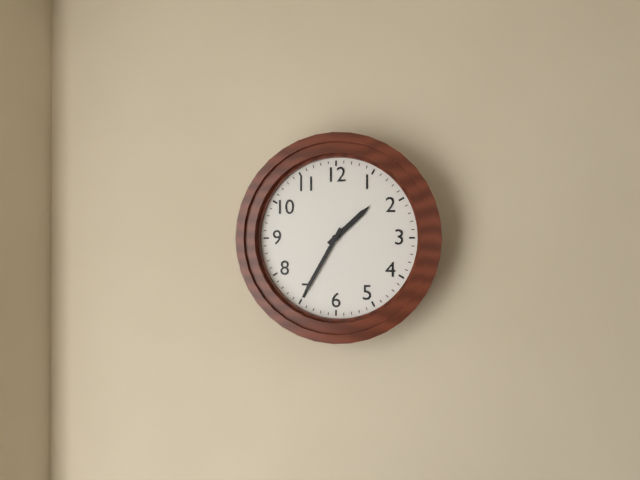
1,35
